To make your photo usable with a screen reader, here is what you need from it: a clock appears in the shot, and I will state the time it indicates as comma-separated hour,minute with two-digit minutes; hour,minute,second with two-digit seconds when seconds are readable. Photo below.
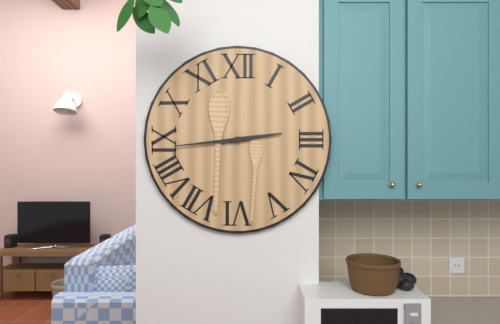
2,44
